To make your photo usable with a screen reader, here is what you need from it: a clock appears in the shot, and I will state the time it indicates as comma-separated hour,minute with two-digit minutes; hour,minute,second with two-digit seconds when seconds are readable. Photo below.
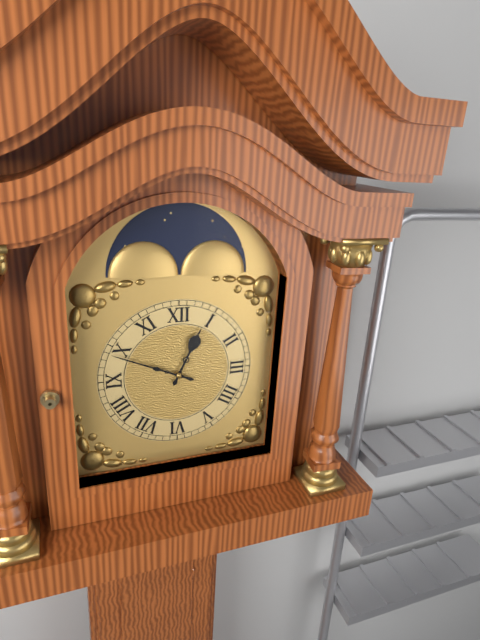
12,49
